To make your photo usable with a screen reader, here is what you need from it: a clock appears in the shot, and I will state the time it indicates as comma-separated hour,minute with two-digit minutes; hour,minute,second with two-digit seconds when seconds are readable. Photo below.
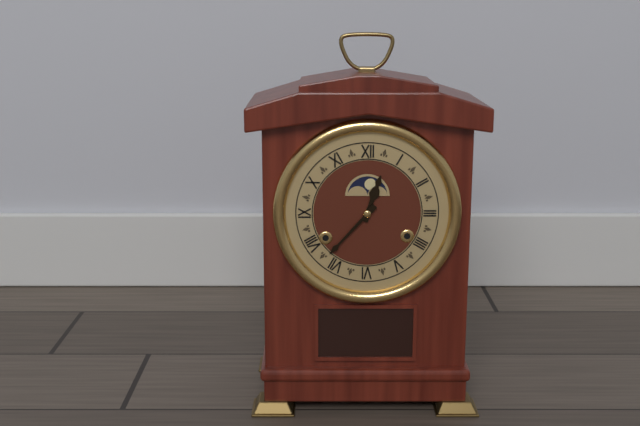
12,37
